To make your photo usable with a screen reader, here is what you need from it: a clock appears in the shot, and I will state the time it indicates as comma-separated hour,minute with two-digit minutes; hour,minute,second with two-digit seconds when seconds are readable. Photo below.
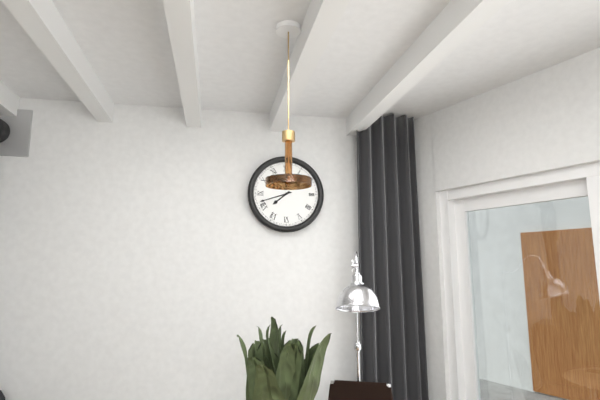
7,42
